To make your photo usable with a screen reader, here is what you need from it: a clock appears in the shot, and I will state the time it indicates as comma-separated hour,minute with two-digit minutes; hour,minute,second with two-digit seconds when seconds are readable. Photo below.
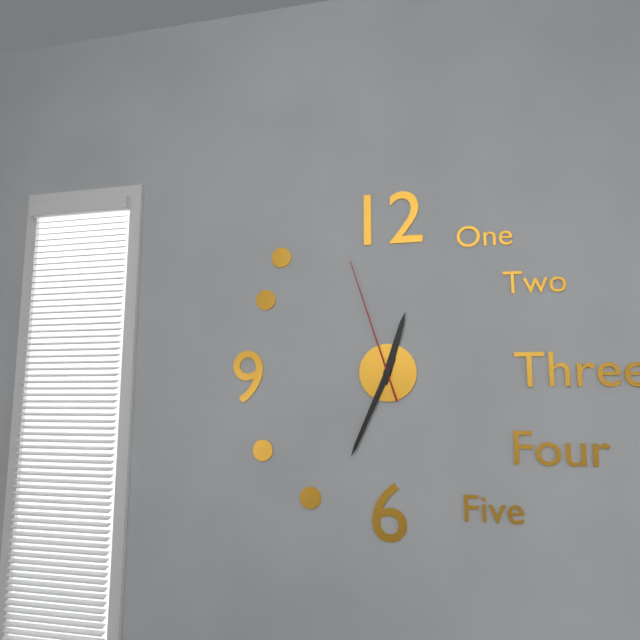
12,34,57
